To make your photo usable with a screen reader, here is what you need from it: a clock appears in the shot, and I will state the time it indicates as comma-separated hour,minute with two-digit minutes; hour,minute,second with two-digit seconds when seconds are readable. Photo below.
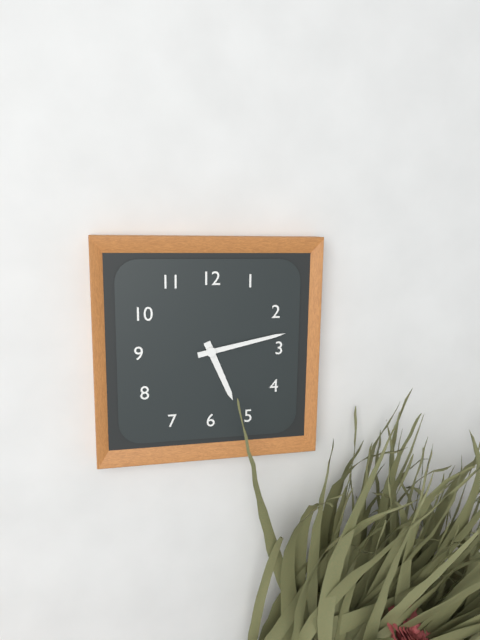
5,13
